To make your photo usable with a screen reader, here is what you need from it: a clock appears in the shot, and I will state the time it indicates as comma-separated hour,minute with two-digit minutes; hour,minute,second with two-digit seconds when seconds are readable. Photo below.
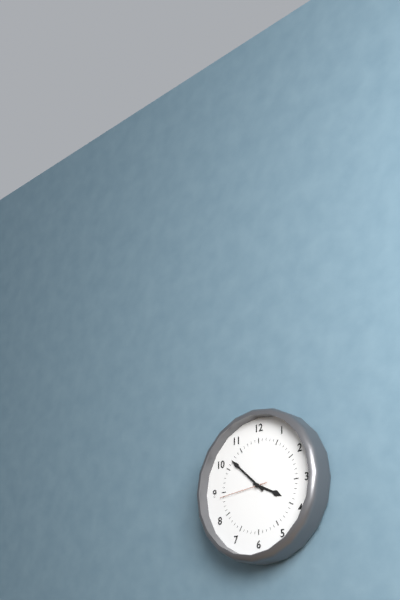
3,52
